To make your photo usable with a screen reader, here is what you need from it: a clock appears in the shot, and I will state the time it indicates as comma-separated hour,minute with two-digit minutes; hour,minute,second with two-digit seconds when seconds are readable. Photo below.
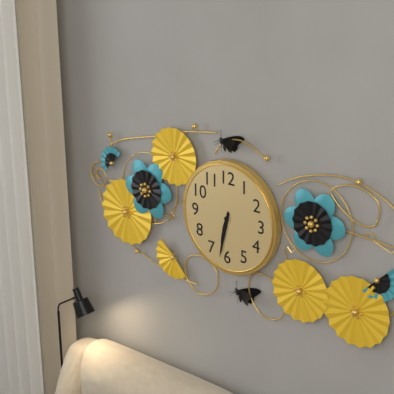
6,32
